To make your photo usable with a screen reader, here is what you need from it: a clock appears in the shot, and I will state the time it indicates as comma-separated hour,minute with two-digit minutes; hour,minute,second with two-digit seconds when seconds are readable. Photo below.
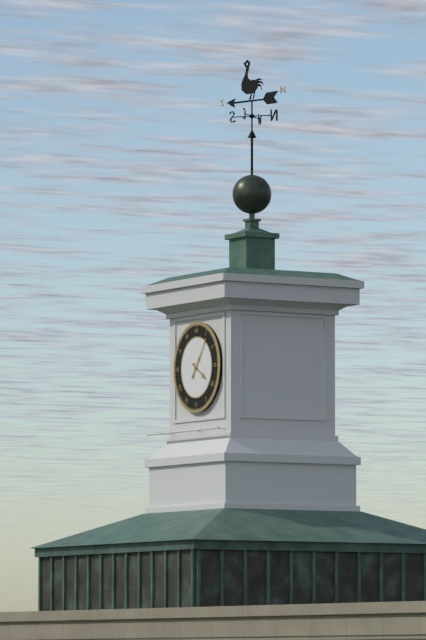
4,06
